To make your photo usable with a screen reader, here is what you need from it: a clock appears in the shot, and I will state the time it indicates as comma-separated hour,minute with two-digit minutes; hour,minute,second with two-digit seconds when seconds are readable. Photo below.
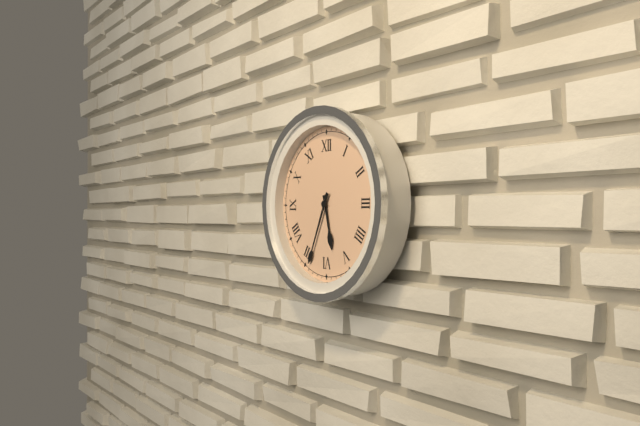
5,34
